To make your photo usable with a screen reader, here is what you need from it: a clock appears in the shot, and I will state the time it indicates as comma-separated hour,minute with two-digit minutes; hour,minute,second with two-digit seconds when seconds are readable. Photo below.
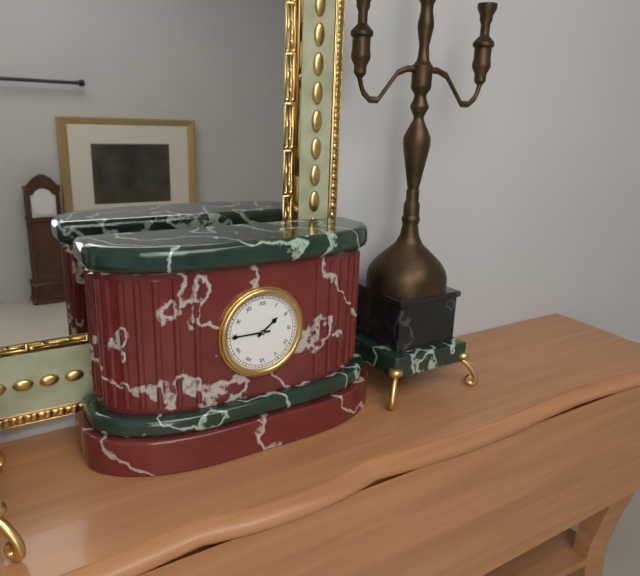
1,45
